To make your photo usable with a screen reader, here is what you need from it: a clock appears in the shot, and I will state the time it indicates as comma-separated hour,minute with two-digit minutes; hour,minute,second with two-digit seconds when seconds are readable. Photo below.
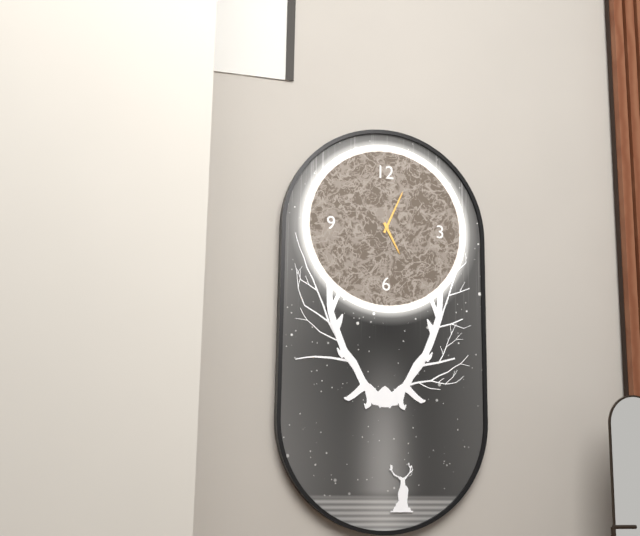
5,04
